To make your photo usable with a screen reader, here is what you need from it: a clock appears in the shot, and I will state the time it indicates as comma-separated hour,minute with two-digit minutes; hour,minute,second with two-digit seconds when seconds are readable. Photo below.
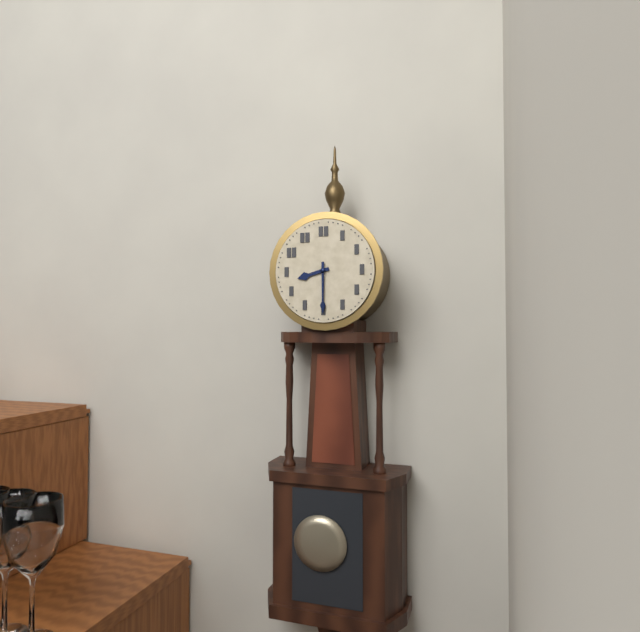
8,30
